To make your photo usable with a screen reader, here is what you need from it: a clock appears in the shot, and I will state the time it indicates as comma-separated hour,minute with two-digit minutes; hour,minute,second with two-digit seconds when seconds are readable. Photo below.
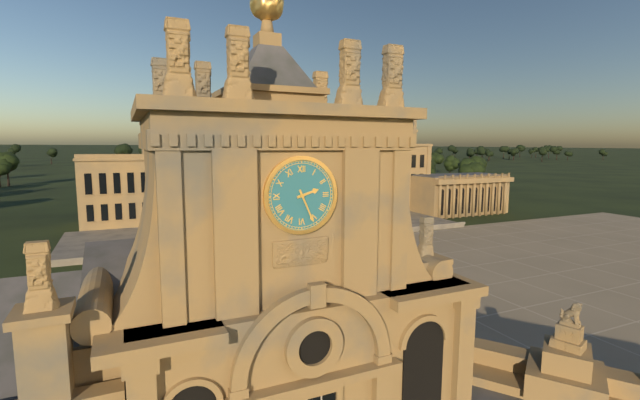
2,26
